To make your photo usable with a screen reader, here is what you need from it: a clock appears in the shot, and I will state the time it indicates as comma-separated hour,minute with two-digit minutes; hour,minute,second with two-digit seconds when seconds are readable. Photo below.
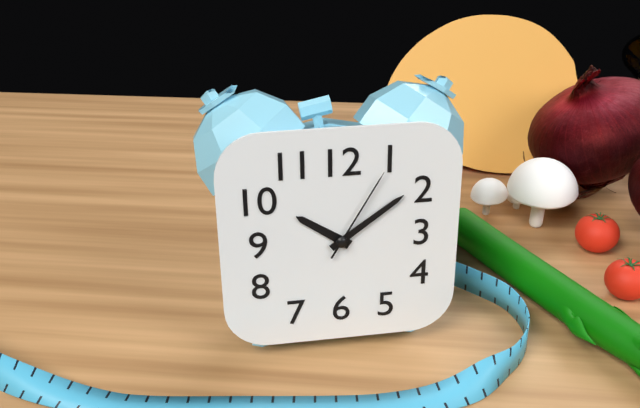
10,09,05
